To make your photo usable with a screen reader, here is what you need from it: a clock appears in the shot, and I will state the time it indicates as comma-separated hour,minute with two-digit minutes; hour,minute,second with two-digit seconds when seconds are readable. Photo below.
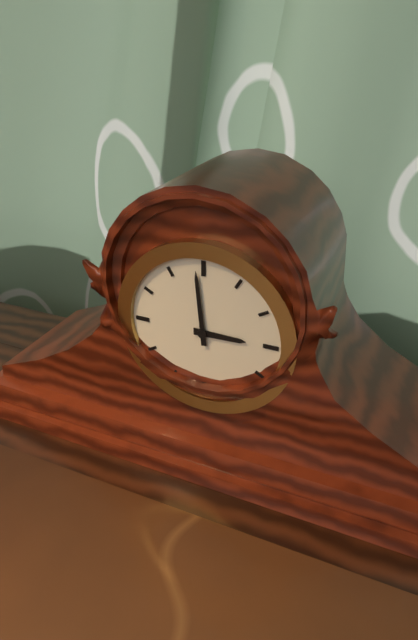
2,59
